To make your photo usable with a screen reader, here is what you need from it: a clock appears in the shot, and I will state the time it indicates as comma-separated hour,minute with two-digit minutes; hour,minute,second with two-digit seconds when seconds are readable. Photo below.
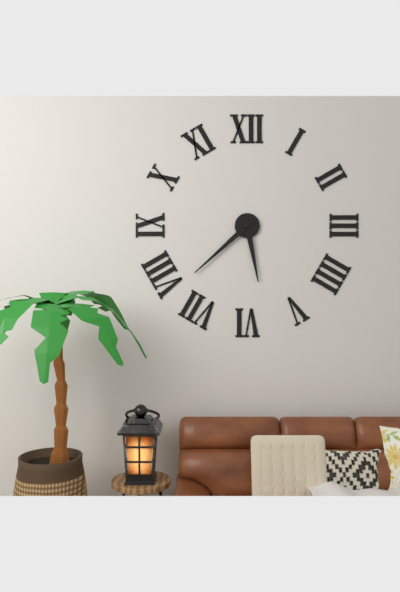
5,38
